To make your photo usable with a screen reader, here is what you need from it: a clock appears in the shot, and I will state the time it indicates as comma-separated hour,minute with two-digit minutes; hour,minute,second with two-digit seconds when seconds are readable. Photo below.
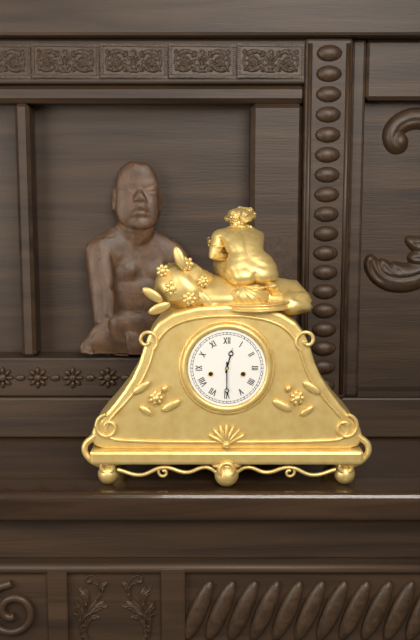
12,30
